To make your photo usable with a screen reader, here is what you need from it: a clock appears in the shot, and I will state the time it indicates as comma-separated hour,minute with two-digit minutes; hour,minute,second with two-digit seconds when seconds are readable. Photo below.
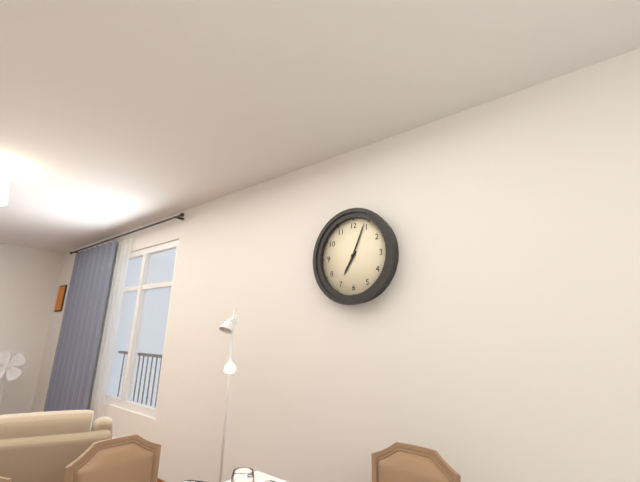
7,04
